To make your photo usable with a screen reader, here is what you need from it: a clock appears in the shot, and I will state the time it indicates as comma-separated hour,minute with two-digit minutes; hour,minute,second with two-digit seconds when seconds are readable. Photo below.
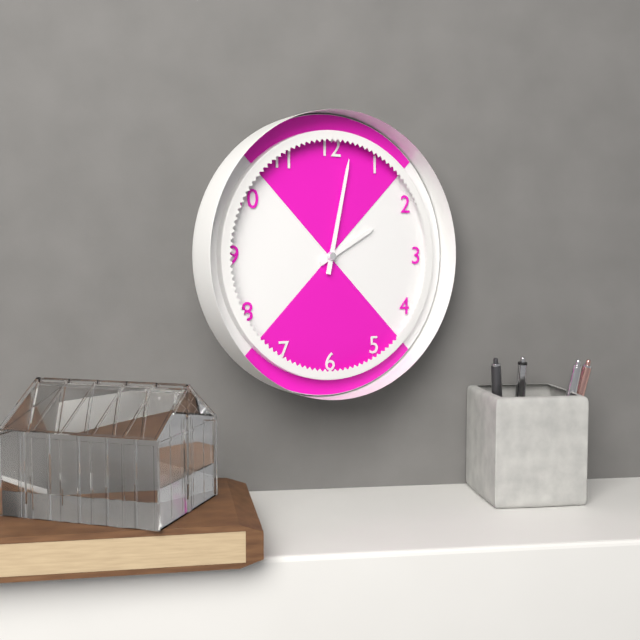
2,02
